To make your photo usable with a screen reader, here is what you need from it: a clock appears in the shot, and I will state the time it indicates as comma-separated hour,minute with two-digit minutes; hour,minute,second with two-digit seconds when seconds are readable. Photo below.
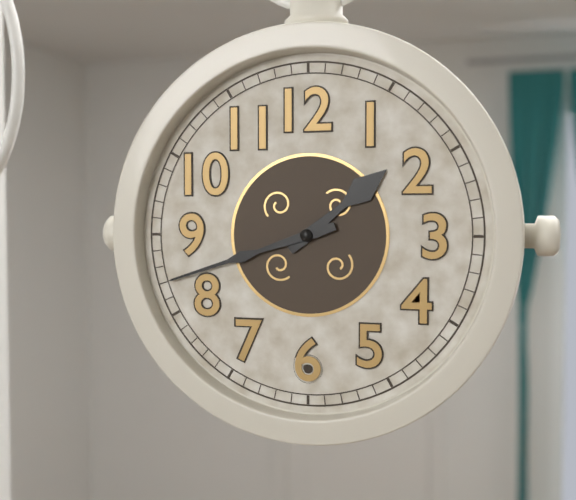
1,42
